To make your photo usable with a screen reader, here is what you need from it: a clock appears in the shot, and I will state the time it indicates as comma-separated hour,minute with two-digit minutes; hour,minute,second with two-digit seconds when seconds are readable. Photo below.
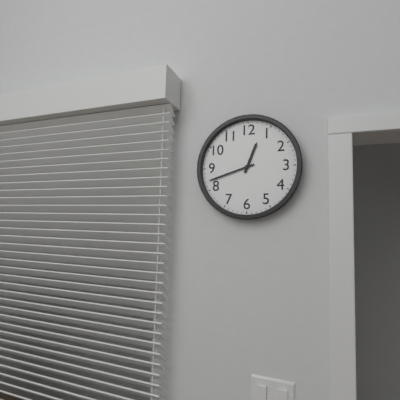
12,42
